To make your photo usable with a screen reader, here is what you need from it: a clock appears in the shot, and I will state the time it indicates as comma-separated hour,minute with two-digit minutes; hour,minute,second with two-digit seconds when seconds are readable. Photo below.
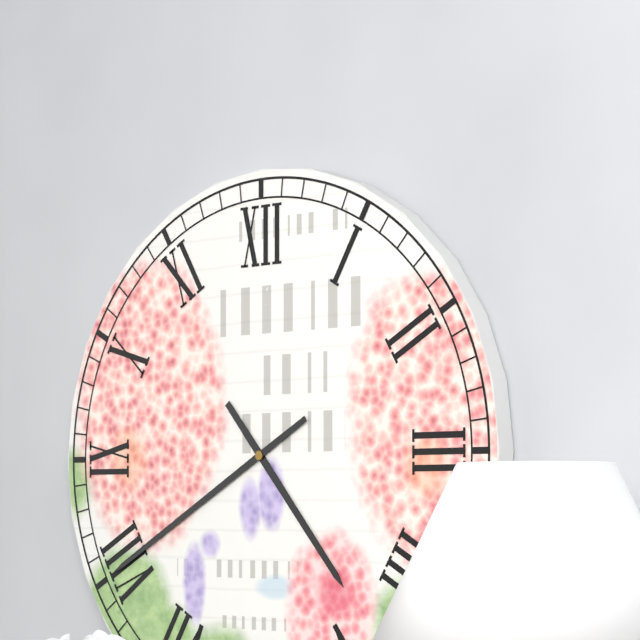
4,40
